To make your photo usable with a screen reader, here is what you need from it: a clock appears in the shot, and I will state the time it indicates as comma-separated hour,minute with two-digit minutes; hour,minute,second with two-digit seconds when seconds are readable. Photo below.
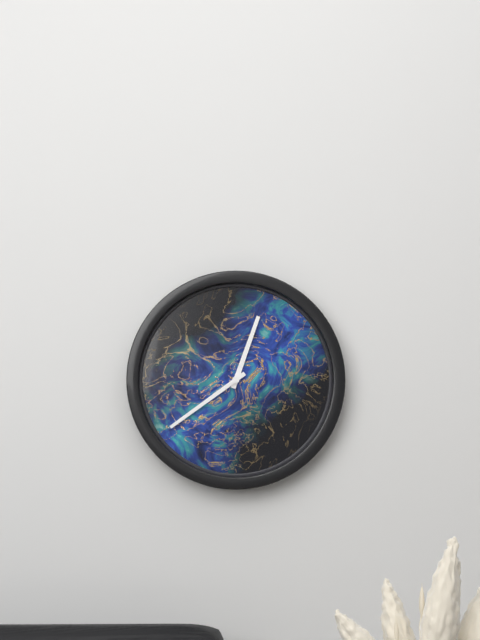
12,39
